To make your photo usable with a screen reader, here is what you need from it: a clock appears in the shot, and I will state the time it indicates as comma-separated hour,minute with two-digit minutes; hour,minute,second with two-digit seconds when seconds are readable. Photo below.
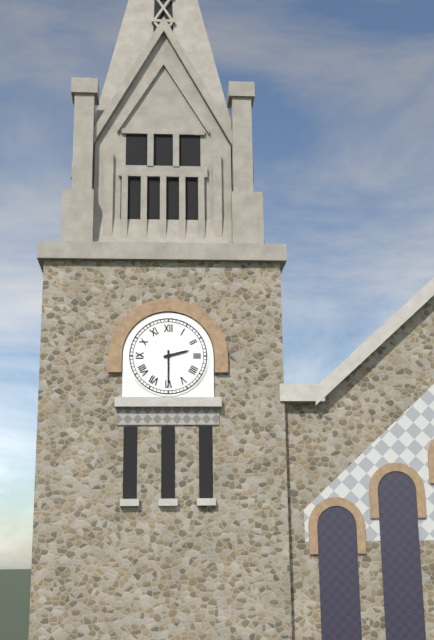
2,30
